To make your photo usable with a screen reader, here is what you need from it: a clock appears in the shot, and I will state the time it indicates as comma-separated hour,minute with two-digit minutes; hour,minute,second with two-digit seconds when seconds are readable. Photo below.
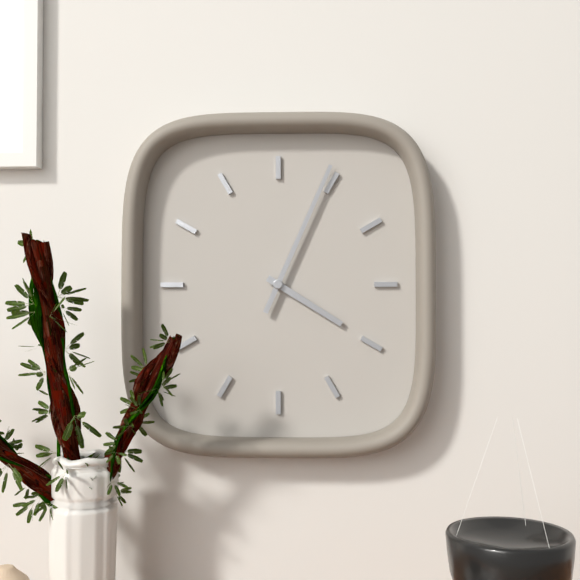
4,04
